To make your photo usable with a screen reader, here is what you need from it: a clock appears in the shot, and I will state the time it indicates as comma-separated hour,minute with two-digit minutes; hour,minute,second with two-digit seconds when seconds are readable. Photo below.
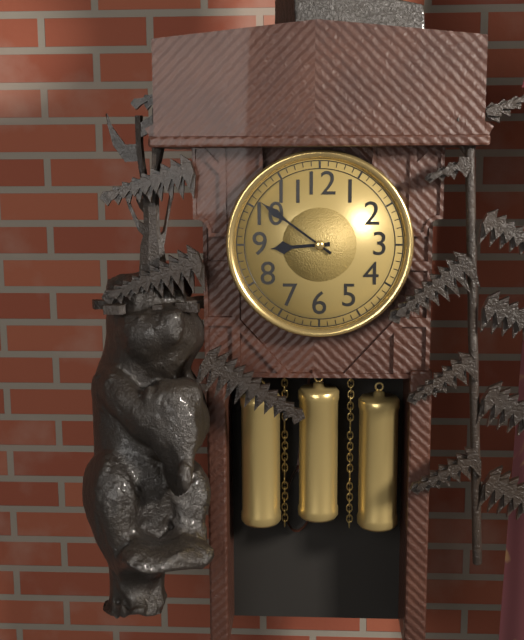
8,51
